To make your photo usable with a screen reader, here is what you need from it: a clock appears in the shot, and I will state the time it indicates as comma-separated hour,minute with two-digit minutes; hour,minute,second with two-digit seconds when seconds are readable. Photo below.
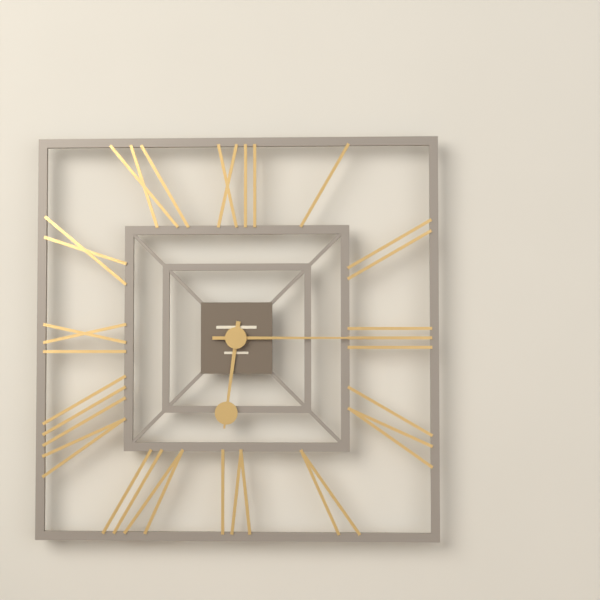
6,15
